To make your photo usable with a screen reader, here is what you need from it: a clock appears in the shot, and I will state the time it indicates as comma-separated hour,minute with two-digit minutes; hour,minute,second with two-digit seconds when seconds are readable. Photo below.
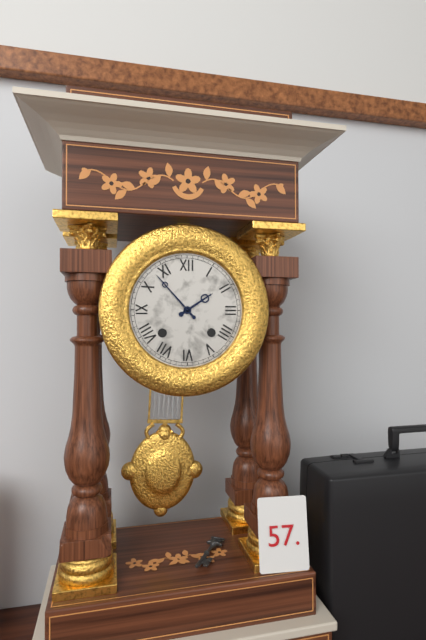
1,53
